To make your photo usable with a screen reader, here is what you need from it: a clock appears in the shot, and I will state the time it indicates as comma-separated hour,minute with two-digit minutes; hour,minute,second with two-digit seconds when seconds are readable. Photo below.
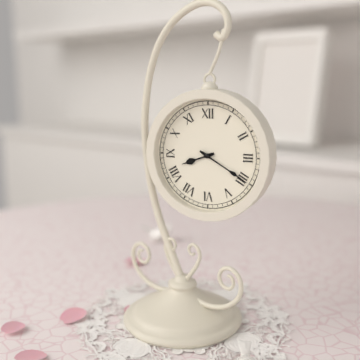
8,20
